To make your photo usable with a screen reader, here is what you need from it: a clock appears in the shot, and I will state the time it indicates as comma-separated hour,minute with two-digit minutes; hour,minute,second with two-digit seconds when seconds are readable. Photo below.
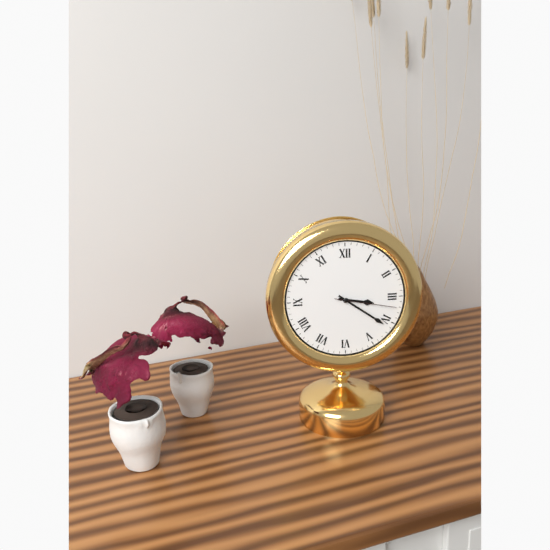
3,21,17
